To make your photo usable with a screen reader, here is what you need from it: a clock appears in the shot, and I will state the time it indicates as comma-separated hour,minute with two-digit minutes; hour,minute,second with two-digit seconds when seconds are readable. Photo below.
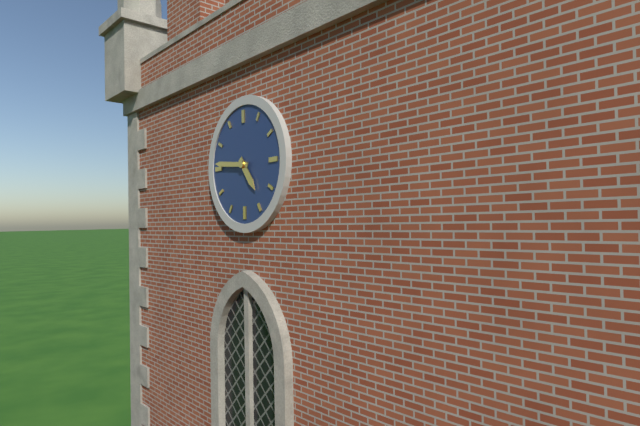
4,46
